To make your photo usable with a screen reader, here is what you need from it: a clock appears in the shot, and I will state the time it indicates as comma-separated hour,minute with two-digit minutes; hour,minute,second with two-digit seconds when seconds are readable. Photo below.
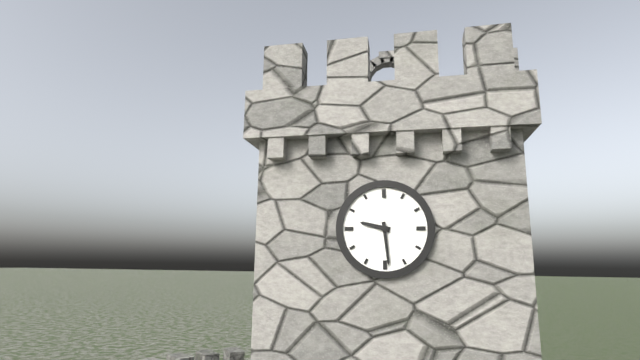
9,29
